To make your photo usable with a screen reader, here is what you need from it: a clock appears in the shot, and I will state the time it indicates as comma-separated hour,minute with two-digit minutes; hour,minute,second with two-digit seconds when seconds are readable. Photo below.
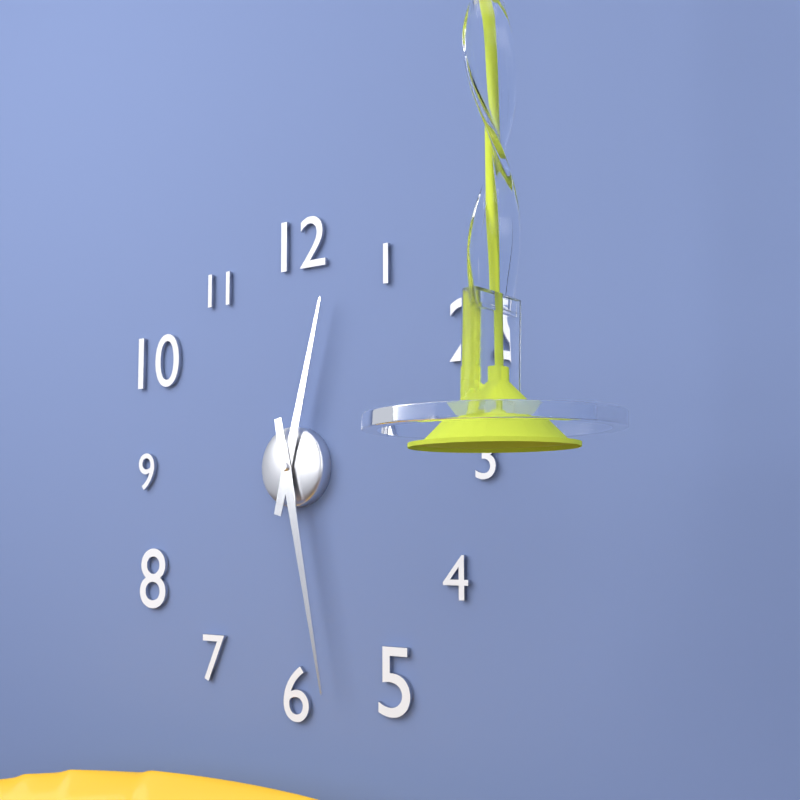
12,28
